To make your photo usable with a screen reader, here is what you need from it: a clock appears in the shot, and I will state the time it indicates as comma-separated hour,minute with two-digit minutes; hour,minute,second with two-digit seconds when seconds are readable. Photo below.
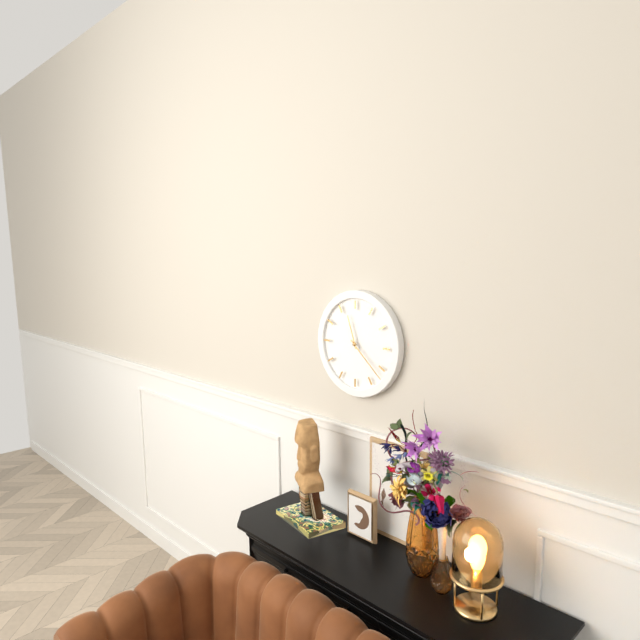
11,22
